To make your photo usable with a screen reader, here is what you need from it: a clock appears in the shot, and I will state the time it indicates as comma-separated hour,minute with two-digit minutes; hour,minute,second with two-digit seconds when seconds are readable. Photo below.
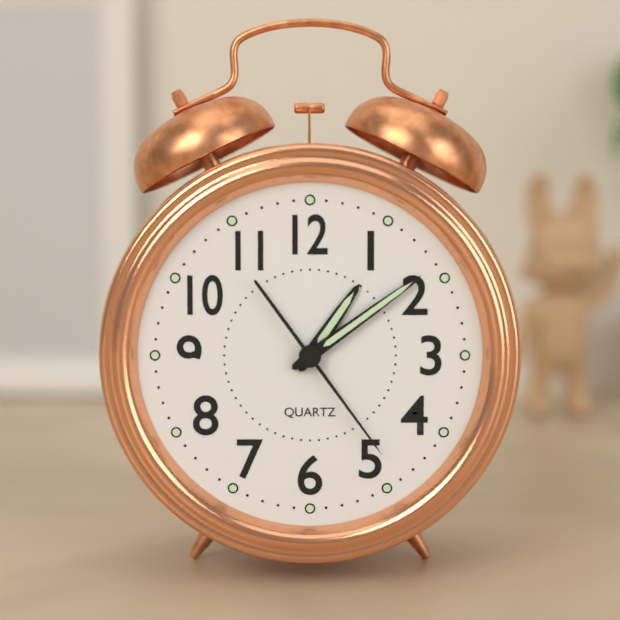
1,09,24
